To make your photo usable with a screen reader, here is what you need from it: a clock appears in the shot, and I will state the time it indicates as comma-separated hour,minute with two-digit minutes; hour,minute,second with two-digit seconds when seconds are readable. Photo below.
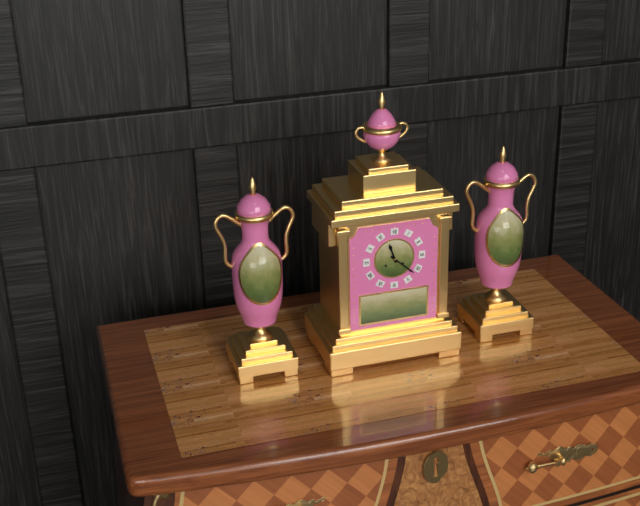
11,22
